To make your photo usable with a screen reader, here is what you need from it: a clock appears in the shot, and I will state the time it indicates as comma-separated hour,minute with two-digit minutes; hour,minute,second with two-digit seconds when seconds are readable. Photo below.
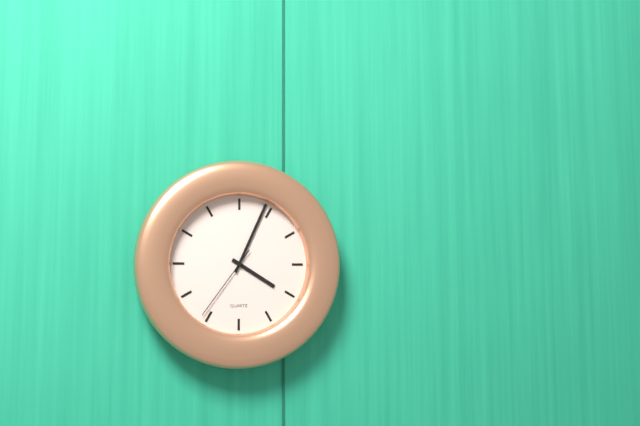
4,04,36
